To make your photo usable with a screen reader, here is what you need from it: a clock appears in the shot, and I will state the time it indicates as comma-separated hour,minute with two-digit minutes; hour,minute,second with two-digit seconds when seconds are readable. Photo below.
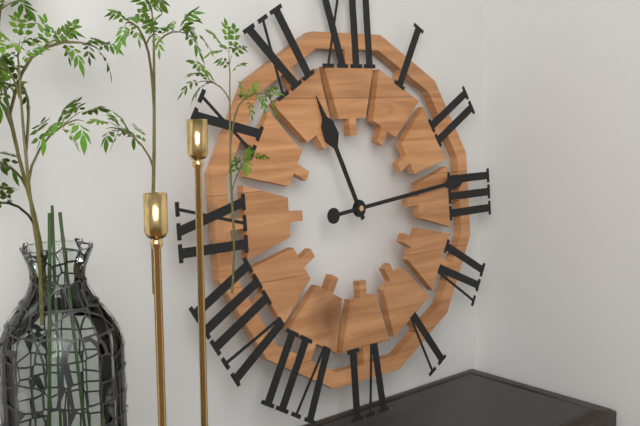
11,14
